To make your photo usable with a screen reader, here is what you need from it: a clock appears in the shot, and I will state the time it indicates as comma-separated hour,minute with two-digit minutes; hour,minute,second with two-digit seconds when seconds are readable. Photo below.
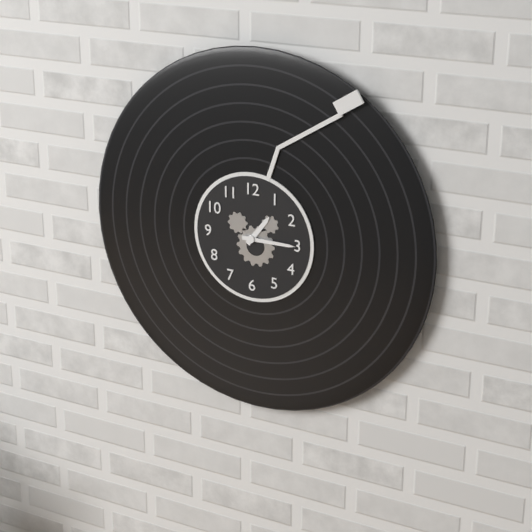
1,15
